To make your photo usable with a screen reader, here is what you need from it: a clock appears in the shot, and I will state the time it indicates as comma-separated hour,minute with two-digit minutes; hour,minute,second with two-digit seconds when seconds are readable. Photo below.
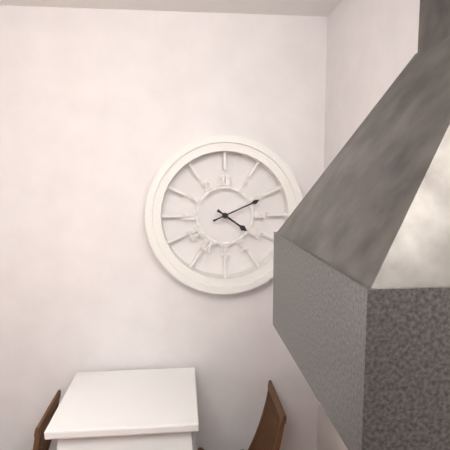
4,11
